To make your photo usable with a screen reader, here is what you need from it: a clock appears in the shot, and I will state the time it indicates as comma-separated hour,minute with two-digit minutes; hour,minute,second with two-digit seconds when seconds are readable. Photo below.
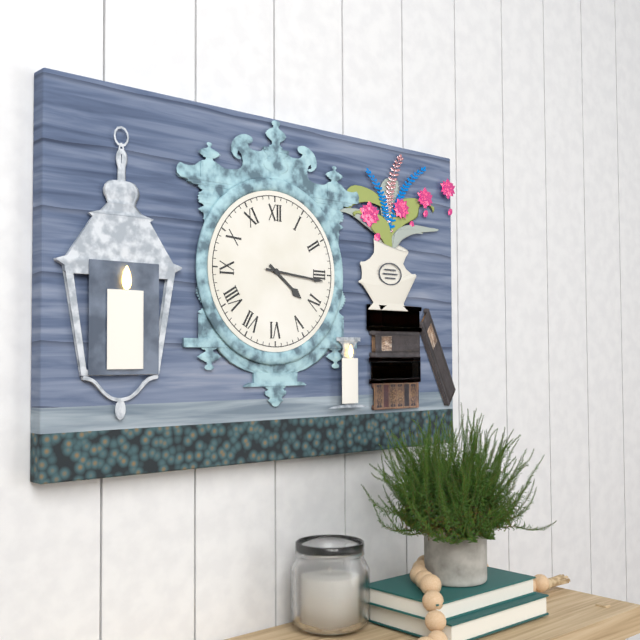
4,16
